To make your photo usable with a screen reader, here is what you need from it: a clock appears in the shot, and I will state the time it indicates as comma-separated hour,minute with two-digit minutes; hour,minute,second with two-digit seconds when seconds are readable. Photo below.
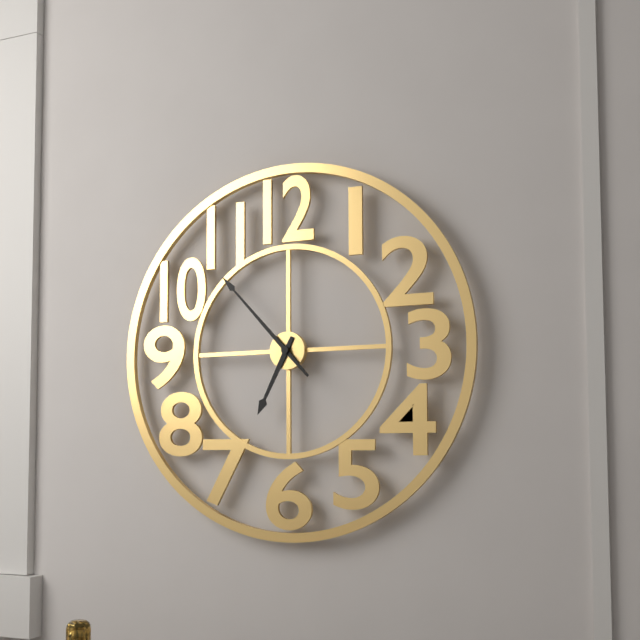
6,53
